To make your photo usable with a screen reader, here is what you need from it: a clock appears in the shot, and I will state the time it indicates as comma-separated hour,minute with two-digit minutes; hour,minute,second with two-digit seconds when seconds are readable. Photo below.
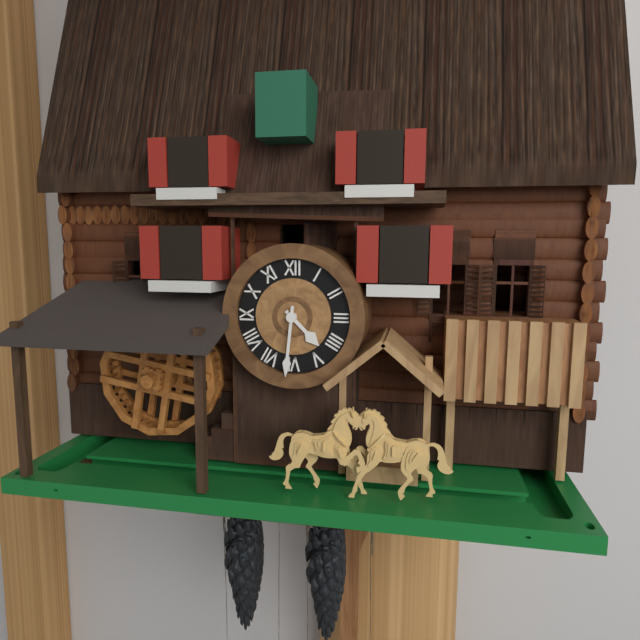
4,31
